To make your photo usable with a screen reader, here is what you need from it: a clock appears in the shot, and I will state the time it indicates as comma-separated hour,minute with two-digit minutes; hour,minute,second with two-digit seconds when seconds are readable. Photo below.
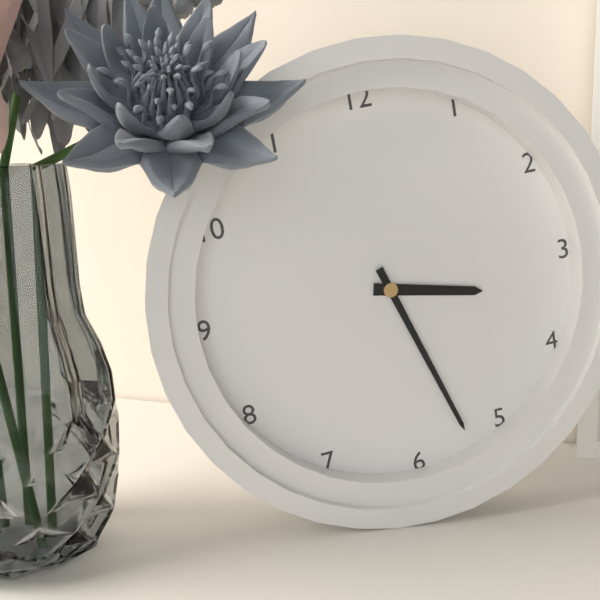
3,27
